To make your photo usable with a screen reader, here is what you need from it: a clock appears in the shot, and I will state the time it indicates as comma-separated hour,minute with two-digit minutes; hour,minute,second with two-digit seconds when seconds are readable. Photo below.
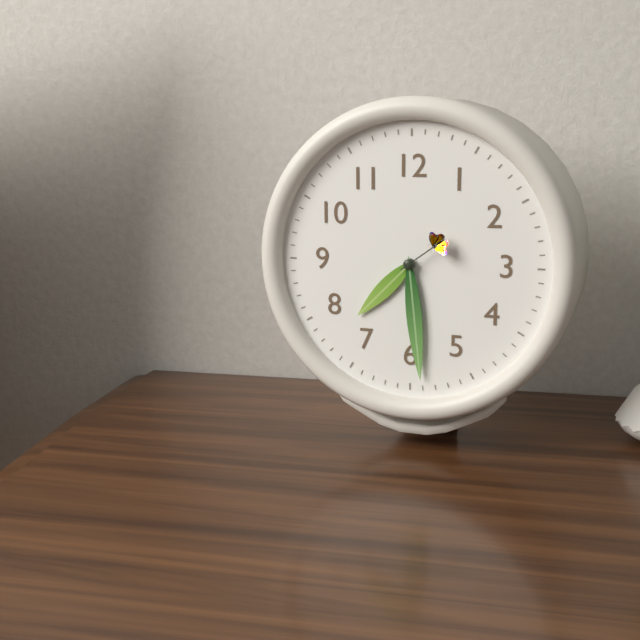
7,29,09
